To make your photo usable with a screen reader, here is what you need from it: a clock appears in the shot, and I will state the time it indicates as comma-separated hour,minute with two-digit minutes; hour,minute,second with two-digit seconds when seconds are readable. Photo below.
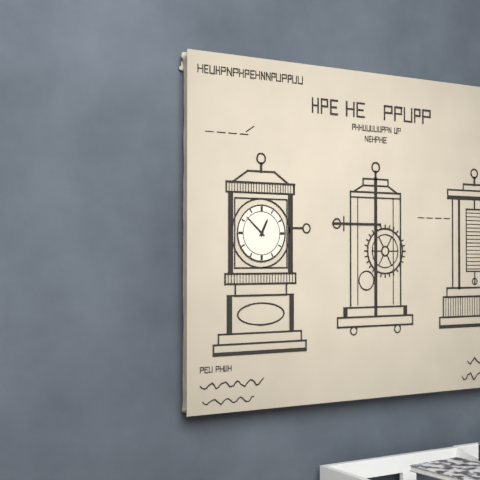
12,52
